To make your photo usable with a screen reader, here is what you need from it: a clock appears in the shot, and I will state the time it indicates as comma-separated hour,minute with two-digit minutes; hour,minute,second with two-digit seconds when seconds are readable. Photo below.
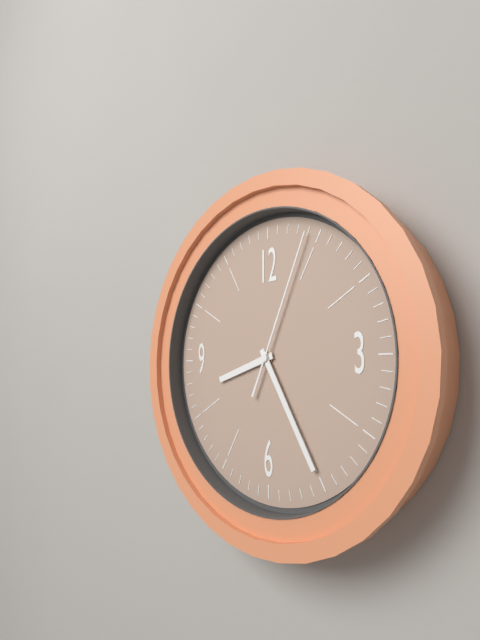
8,25,04
